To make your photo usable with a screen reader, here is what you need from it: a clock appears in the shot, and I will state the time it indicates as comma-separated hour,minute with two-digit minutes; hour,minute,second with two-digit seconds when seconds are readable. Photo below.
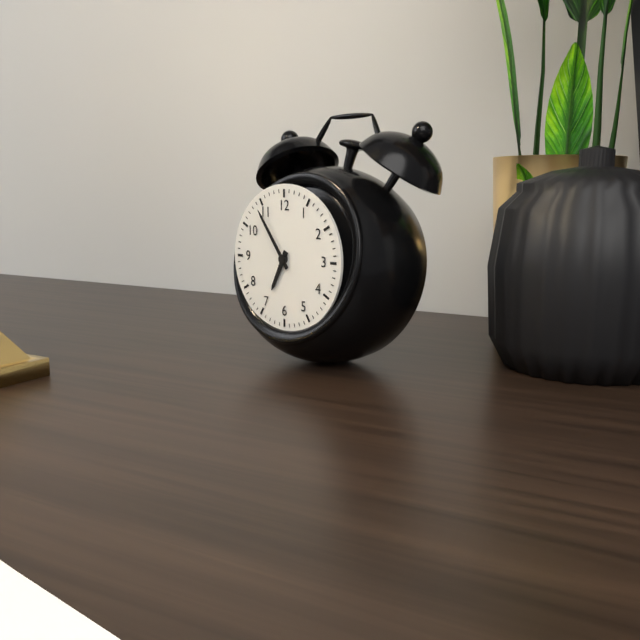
6,54
